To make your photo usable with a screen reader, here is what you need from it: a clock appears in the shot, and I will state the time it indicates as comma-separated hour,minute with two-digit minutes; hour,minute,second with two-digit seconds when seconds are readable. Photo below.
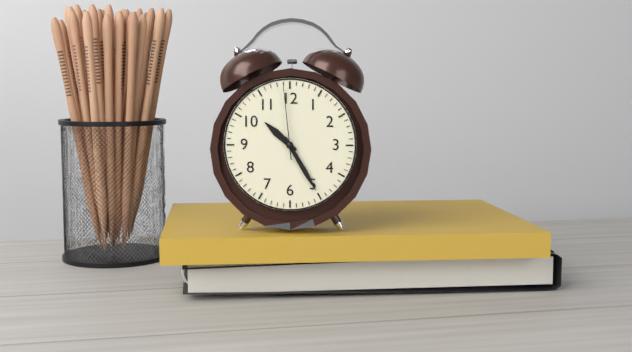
10,25,59
